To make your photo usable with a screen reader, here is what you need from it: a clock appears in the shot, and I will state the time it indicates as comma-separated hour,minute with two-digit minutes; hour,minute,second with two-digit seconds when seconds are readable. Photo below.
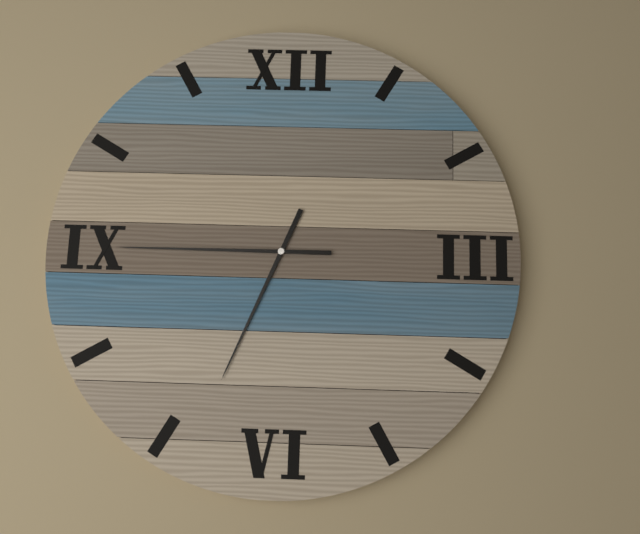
6,45
